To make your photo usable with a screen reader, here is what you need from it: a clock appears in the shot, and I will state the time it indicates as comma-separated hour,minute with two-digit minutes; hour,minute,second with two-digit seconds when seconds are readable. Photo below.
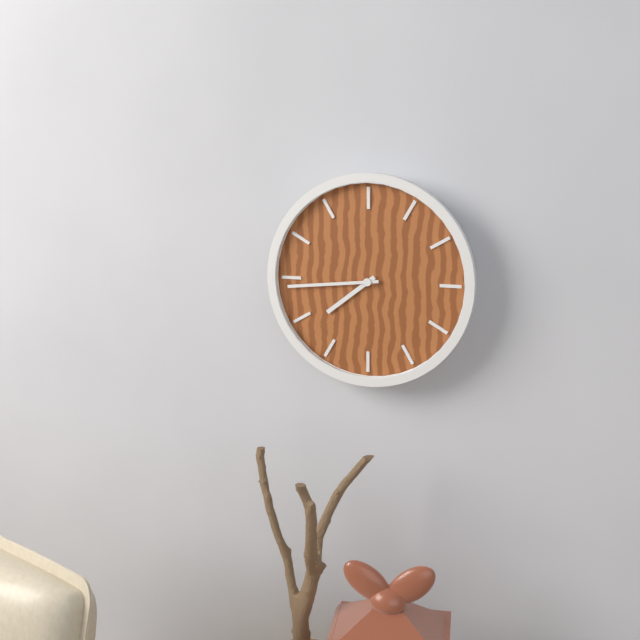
7,44
